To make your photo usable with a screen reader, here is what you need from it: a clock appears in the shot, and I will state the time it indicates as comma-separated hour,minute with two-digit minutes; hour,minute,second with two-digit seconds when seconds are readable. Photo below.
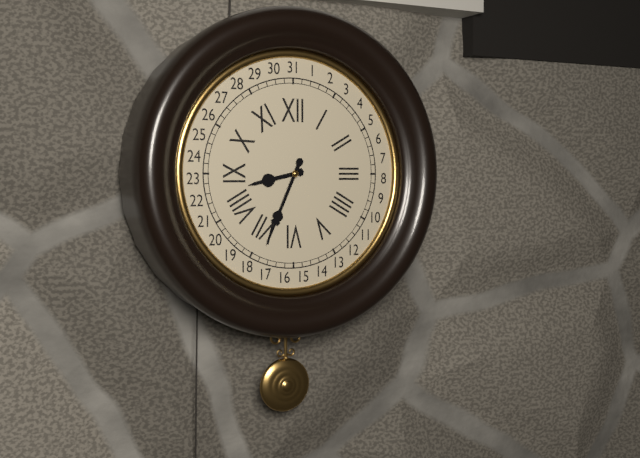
8,34
